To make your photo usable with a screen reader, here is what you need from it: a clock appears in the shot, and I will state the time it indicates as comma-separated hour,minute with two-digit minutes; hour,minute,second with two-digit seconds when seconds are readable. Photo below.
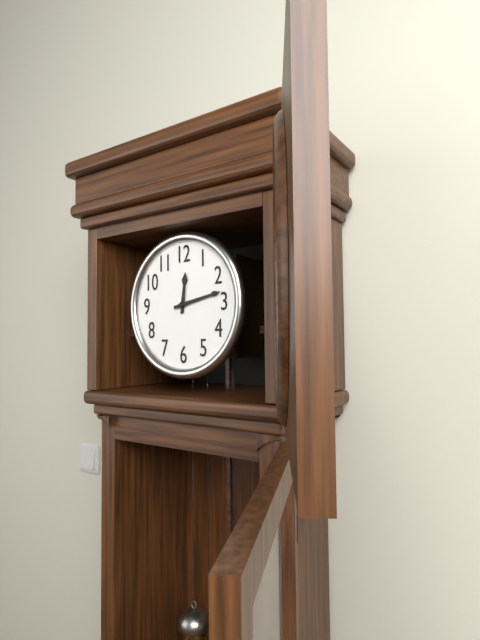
12,13
